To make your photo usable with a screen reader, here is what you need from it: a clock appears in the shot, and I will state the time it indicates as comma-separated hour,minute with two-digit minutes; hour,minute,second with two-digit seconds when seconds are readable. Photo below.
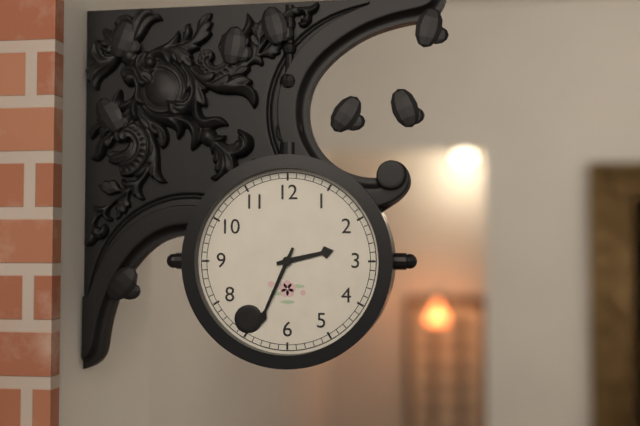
2,34
